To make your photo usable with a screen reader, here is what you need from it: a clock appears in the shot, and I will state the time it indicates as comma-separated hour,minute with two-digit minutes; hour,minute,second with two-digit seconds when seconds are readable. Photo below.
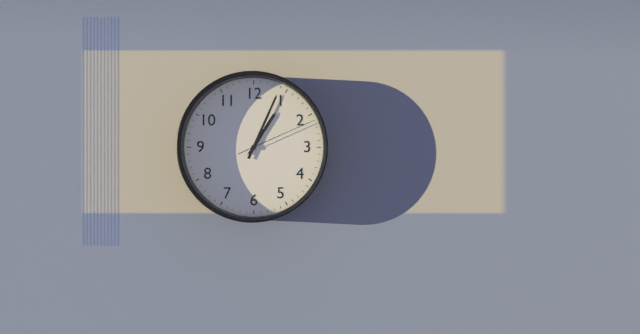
1,04,11
